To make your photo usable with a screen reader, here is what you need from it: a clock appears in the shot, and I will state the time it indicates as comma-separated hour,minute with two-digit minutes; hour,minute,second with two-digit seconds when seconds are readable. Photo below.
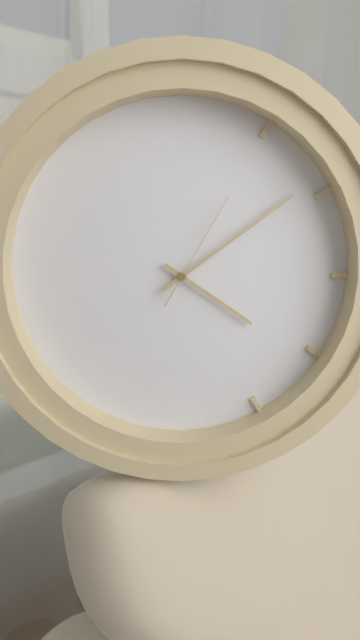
4,09,05
